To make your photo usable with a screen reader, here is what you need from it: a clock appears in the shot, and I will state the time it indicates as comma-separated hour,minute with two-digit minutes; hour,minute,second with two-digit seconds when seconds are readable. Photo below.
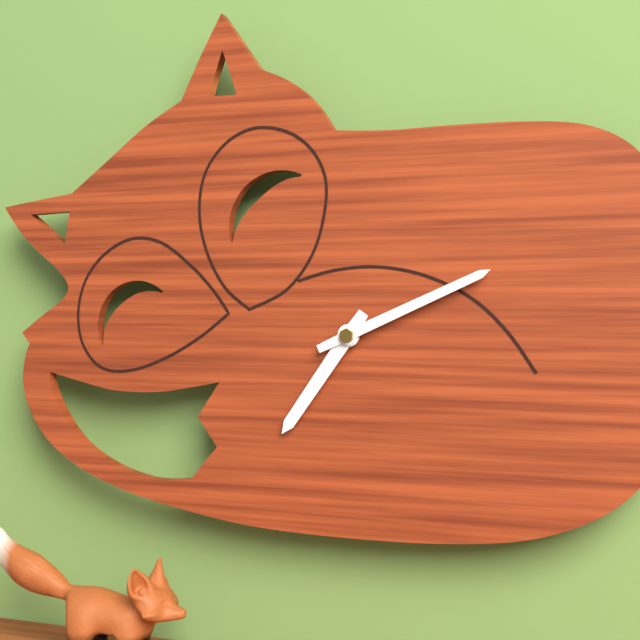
7,11
